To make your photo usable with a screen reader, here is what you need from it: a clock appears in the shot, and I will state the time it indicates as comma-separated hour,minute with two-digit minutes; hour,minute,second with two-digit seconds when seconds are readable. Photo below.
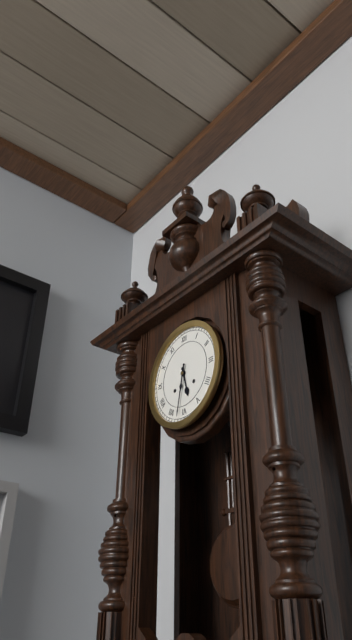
5,32
